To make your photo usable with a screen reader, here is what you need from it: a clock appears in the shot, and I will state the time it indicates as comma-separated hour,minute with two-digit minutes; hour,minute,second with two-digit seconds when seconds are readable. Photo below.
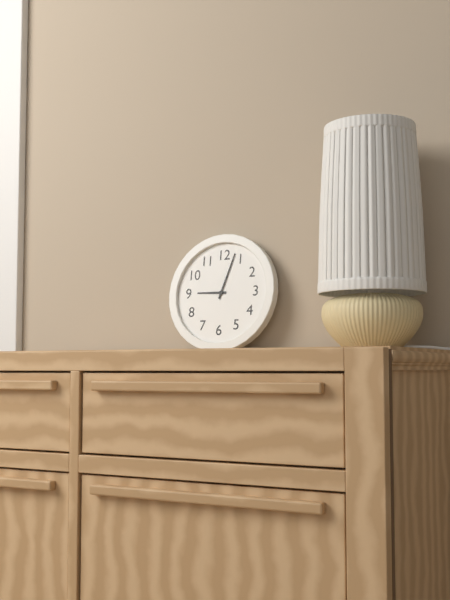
9,03
